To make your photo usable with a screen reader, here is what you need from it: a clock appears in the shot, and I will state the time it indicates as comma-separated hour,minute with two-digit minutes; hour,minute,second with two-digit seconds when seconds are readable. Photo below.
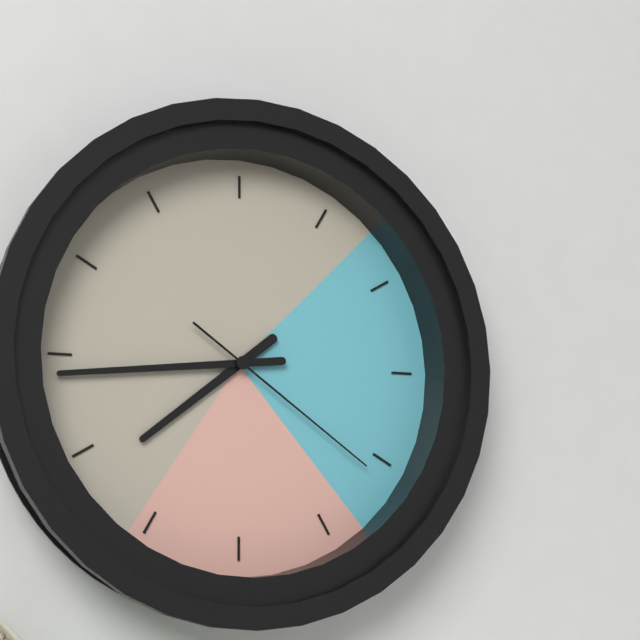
7,44,21
